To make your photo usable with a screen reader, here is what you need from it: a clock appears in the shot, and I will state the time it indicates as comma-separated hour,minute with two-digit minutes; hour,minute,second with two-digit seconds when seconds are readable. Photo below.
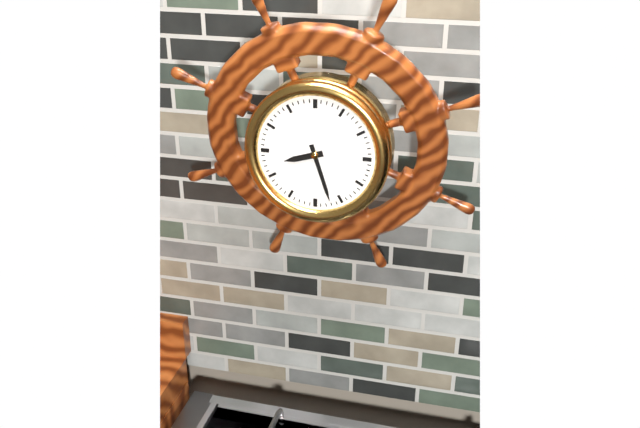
8,27
